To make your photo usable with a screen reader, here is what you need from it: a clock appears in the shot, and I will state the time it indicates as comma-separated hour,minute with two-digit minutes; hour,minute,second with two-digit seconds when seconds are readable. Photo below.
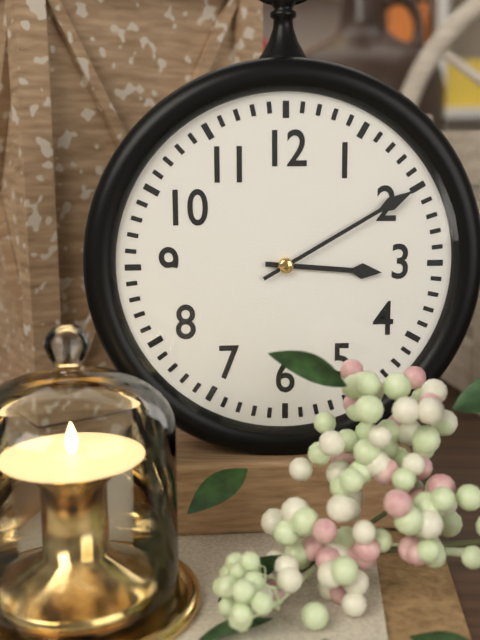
3,10
